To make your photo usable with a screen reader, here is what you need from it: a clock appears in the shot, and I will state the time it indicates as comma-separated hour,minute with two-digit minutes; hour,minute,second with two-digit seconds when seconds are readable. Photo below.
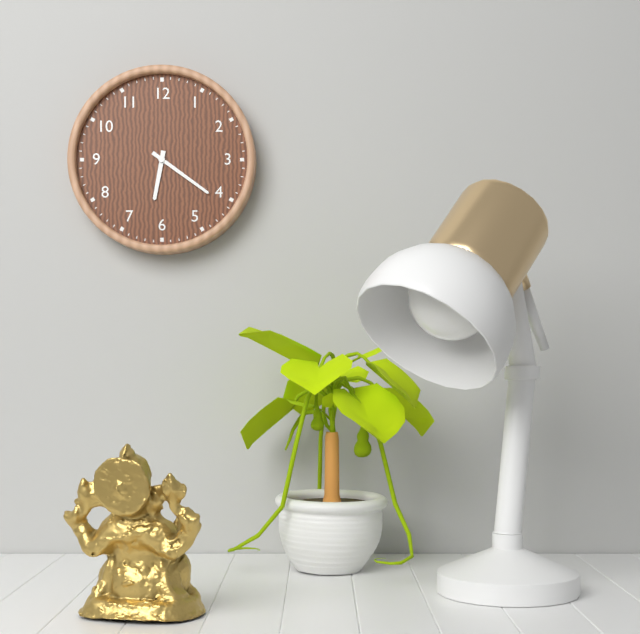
6,21
